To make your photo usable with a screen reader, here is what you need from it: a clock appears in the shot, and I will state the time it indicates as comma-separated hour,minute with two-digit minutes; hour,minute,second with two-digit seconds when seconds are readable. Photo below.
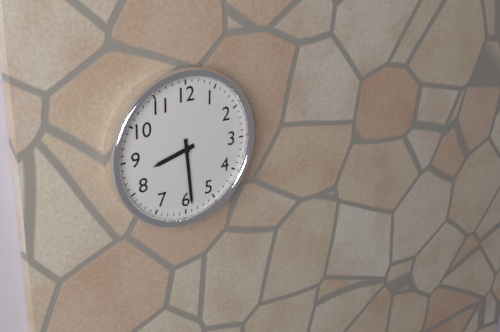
8,29
